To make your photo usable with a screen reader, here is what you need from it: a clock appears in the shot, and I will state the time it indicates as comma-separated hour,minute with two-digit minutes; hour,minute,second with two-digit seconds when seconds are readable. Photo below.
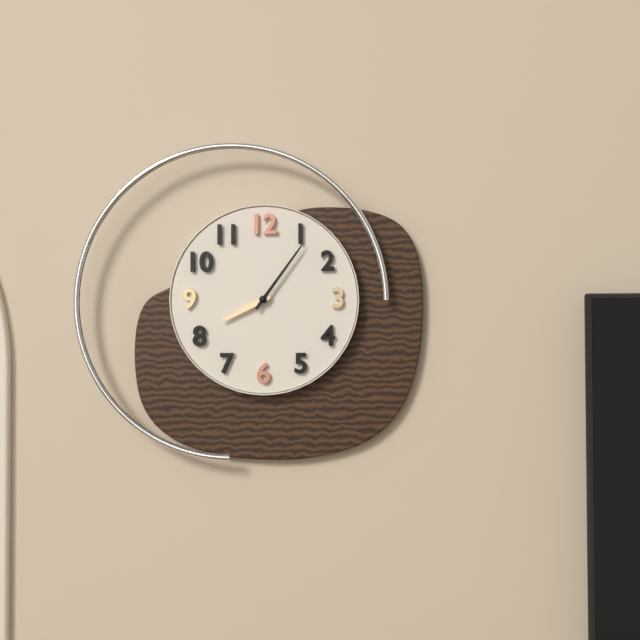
8,06
